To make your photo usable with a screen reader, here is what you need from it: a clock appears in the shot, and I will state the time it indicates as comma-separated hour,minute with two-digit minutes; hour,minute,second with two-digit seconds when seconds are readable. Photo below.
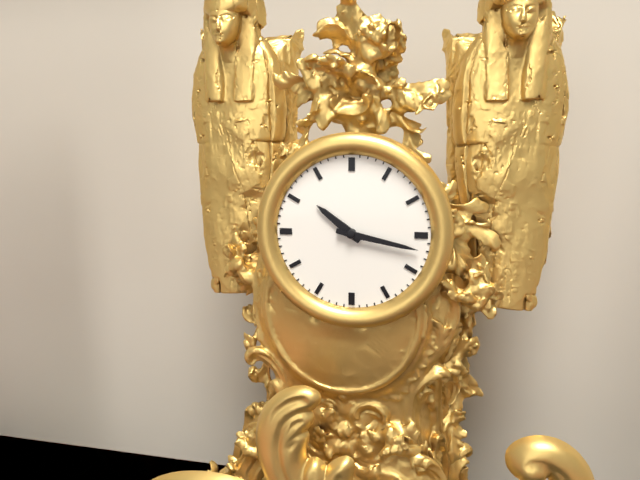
10,17
